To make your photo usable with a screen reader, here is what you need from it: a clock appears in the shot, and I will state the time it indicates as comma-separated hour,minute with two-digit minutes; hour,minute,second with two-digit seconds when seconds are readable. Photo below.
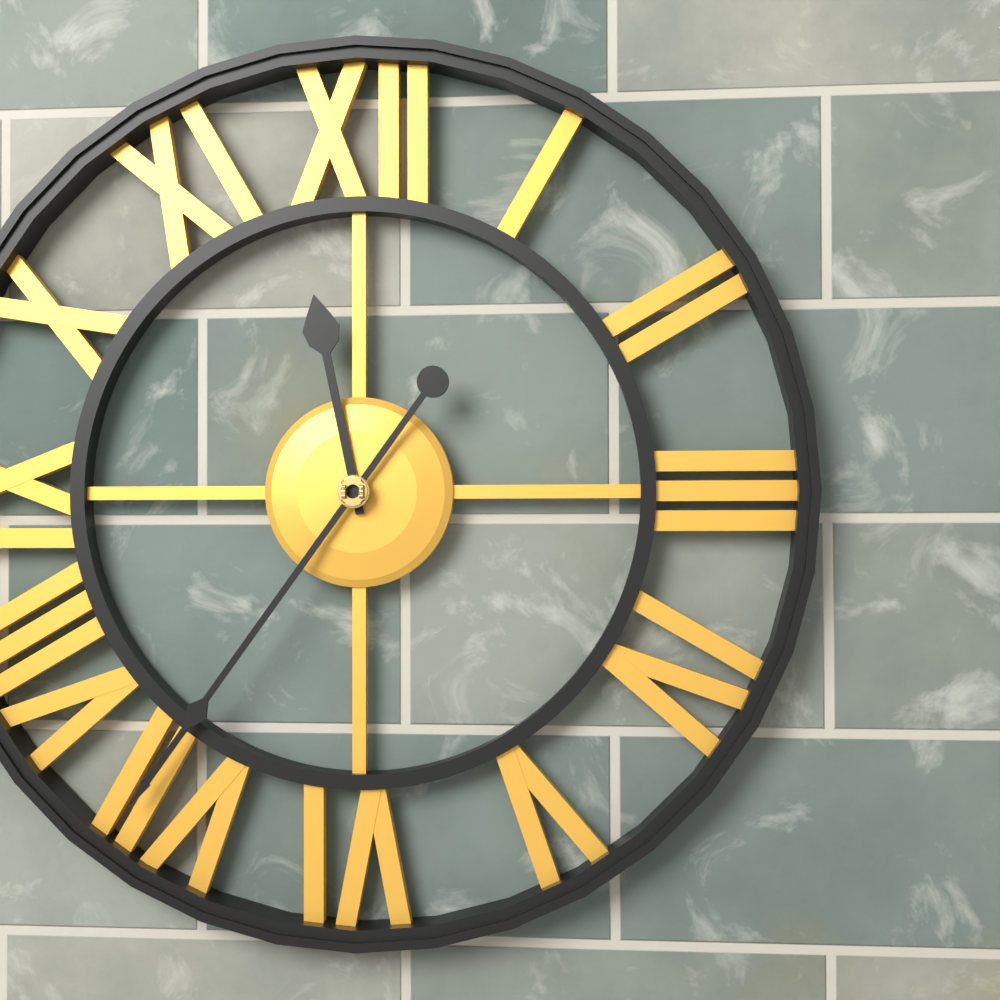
11,36
